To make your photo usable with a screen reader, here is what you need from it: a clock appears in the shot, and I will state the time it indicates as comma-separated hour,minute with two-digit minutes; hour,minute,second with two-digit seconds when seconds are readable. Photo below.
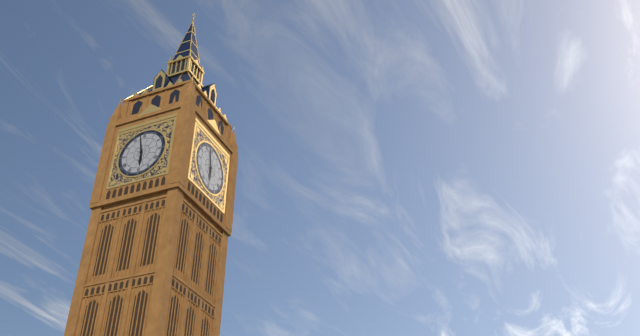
5,58
